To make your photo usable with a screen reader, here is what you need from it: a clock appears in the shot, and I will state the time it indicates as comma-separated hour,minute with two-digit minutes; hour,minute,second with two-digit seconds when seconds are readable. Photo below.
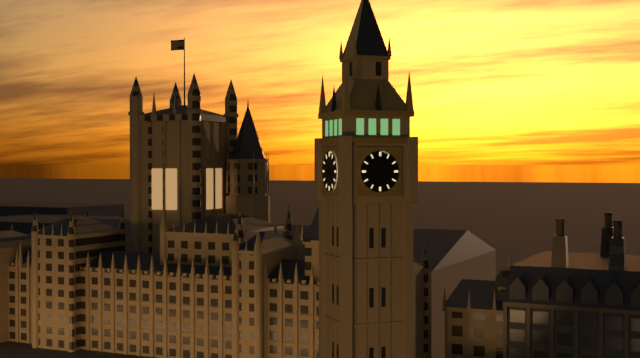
7,01
